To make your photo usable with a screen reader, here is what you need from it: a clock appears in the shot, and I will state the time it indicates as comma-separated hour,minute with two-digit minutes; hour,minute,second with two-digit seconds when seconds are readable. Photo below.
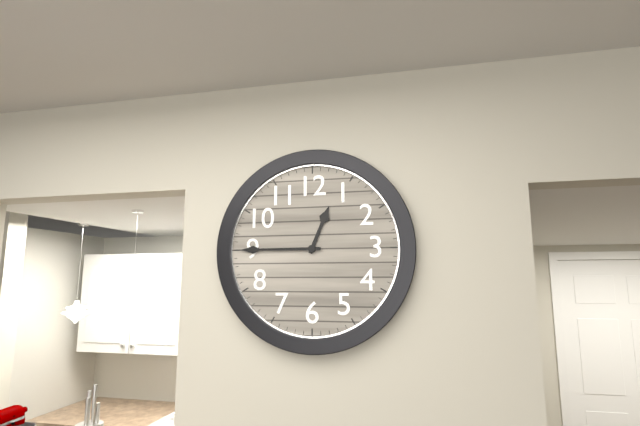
12,45
